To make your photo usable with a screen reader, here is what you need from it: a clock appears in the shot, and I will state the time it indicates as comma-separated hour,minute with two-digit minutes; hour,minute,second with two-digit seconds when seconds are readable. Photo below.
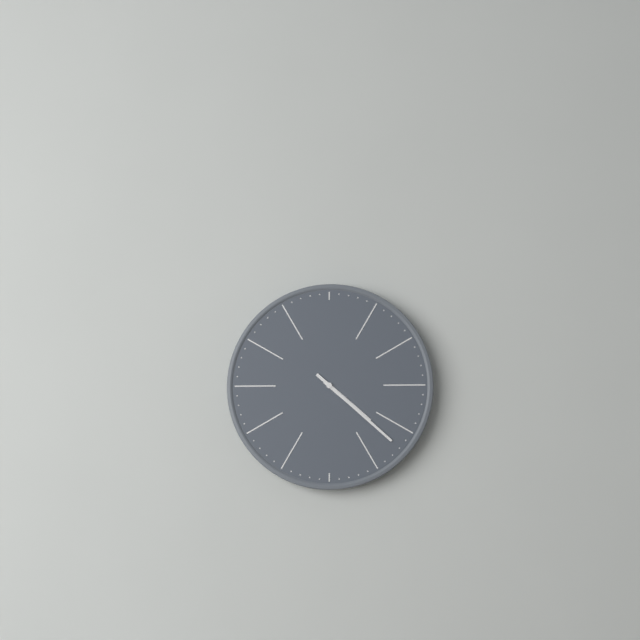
4,22
